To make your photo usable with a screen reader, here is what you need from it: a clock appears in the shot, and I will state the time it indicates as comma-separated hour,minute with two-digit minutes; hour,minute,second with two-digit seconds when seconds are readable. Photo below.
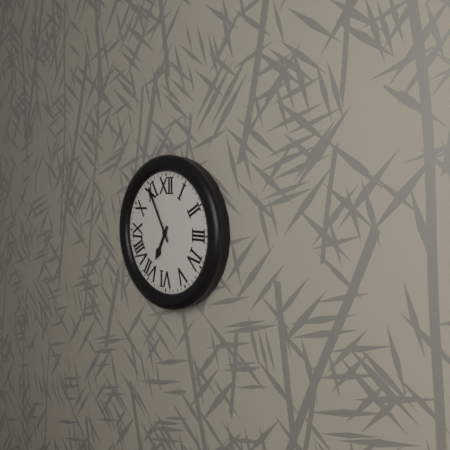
6,55
